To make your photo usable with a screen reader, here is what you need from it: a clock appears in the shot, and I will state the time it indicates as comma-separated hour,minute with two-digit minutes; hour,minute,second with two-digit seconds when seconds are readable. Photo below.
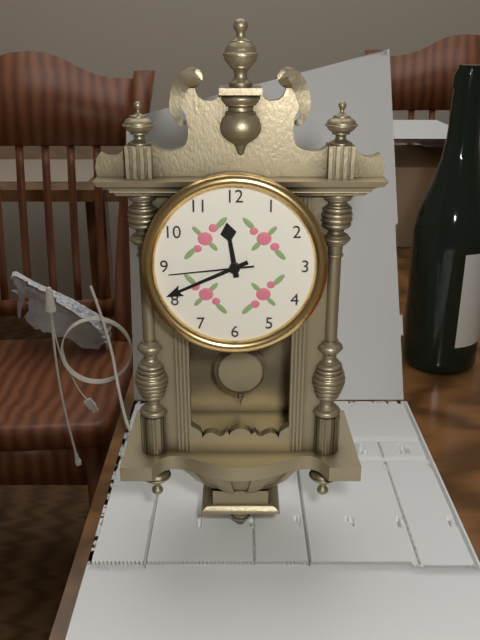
11,41,44
